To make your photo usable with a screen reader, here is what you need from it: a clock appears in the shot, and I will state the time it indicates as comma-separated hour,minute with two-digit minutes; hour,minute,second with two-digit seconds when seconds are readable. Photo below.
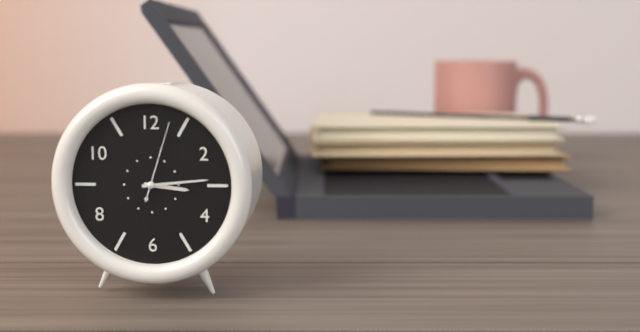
3,14,03
